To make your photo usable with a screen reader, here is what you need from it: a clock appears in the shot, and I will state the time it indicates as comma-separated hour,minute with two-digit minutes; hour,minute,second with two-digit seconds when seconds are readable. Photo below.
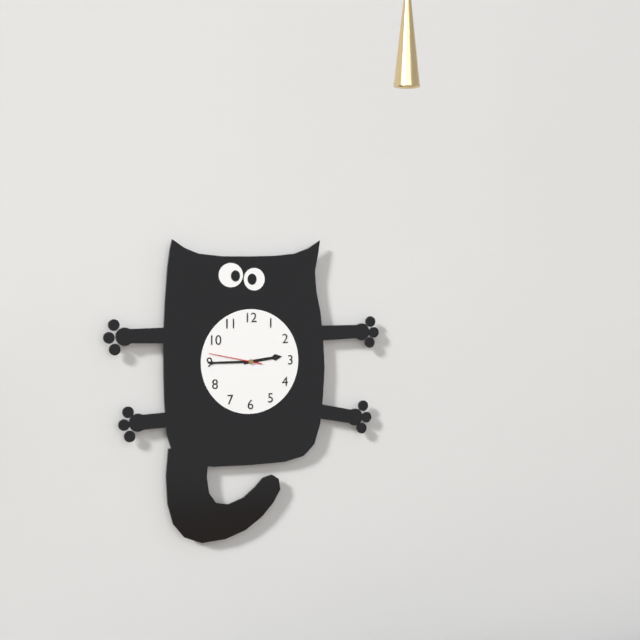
2,45,47
